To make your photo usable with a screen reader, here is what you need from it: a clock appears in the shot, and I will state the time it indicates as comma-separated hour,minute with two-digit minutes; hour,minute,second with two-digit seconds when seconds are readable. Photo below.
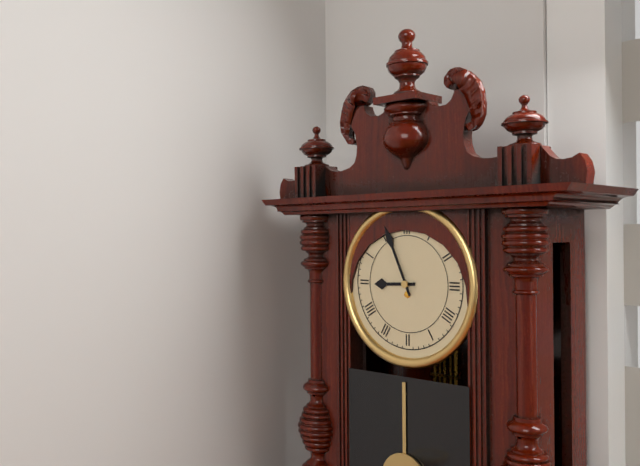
8,56
